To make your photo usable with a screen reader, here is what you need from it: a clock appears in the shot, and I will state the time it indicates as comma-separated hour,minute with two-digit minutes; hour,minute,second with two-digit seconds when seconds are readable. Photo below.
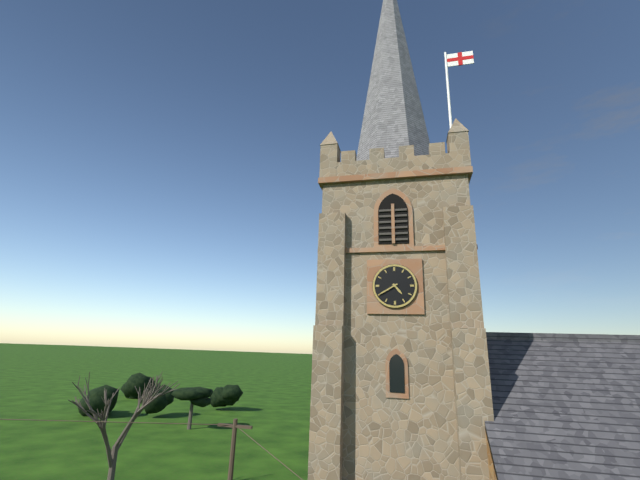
4,40
